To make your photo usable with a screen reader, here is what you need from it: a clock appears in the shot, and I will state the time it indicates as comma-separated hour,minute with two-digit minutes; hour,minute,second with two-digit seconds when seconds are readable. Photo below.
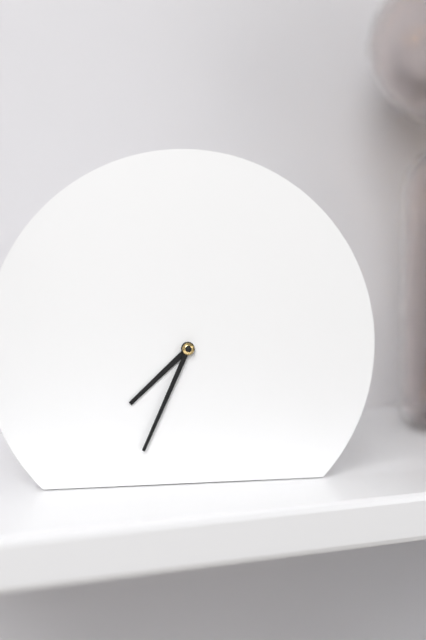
7,34
